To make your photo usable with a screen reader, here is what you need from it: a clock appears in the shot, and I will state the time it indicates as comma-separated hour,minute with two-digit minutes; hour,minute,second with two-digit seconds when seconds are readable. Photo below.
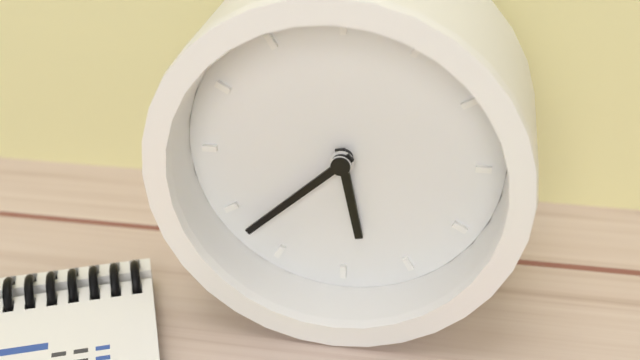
5,38
